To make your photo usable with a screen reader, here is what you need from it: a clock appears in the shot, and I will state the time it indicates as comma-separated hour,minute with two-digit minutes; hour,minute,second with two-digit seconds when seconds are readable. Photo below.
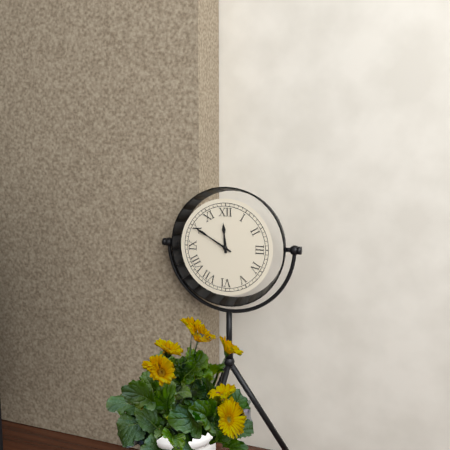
11,50
